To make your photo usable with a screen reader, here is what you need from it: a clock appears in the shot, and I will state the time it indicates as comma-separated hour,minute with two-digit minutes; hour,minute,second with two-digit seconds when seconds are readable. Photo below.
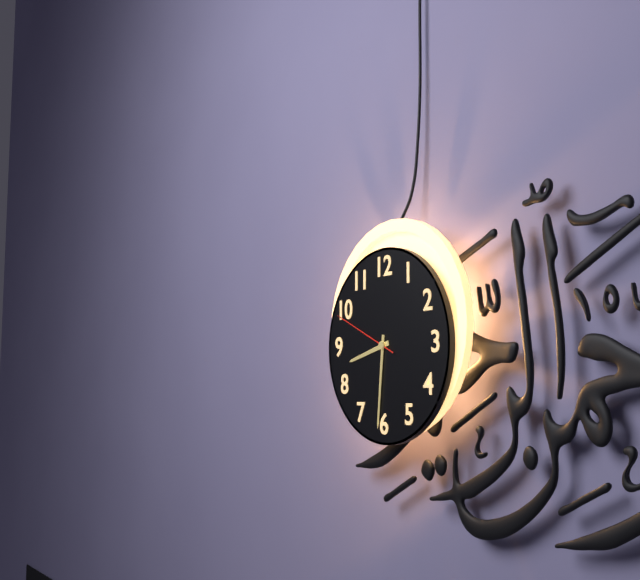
8,31,49
